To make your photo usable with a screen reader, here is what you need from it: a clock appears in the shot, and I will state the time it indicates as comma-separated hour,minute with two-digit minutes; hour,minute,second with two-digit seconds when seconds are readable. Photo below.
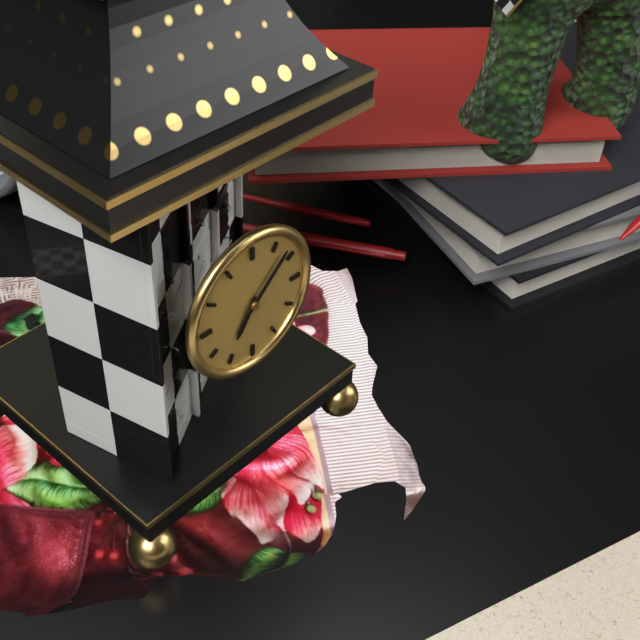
7,08
